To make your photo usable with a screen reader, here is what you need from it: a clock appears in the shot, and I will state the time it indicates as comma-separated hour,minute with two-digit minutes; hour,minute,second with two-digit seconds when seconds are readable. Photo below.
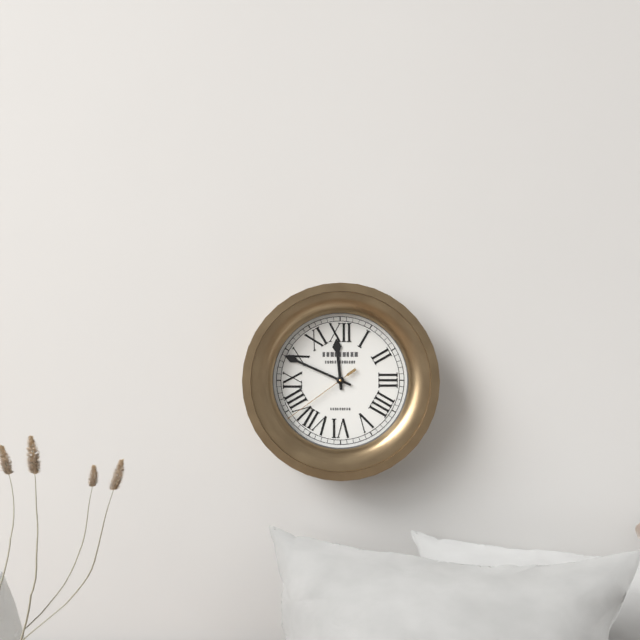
11,49,39
